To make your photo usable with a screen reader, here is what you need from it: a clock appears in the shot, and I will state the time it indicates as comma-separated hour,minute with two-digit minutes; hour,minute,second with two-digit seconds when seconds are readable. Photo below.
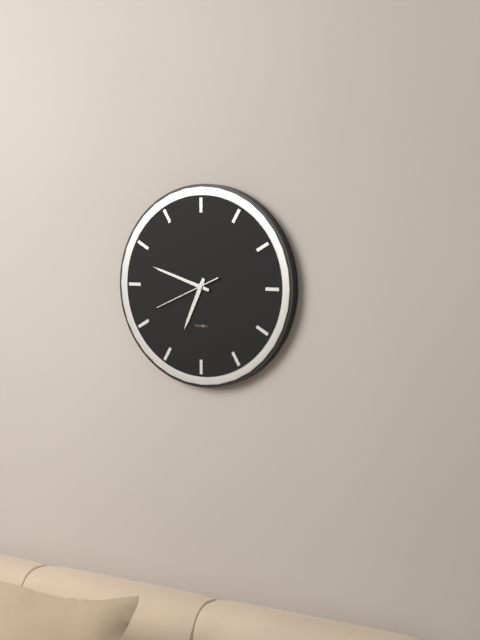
6,48,41
